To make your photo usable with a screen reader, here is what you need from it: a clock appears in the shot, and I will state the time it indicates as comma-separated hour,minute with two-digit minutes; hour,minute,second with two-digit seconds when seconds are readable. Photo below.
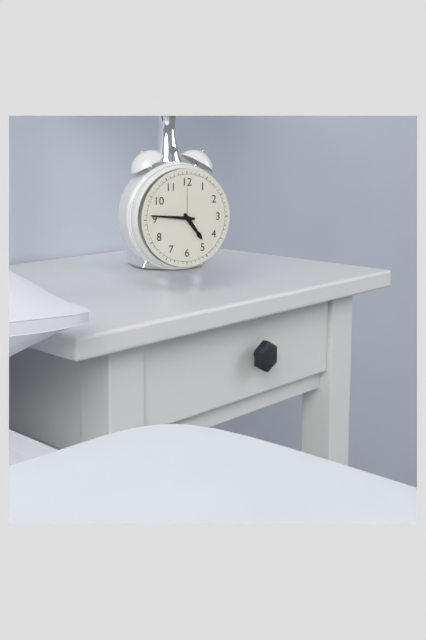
4,46
